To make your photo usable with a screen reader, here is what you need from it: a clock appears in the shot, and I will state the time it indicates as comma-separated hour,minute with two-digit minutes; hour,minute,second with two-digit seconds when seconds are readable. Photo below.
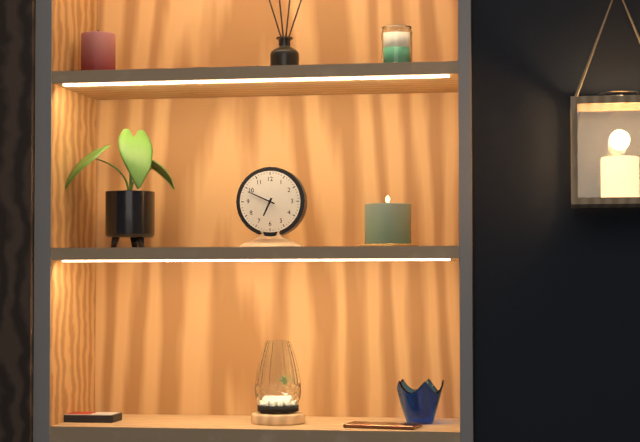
6,49
